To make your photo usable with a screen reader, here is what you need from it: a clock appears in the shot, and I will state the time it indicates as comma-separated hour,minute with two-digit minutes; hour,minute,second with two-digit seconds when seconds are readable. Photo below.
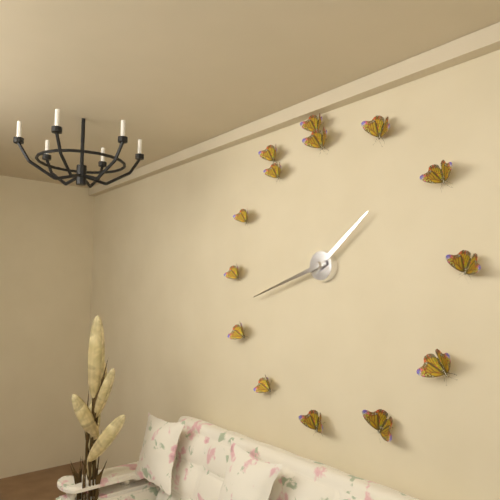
1,42
